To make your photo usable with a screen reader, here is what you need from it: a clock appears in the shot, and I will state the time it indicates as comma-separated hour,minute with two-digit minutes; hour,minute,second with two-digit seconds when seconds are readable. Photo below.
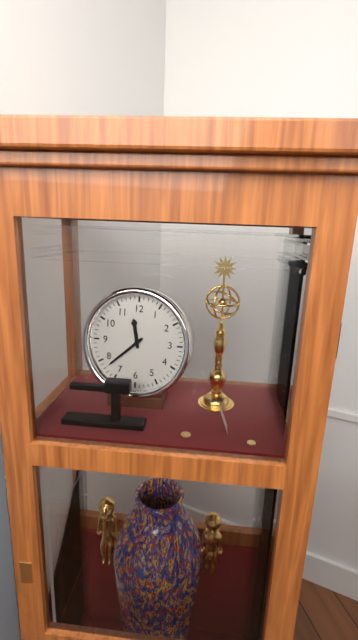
11,38
